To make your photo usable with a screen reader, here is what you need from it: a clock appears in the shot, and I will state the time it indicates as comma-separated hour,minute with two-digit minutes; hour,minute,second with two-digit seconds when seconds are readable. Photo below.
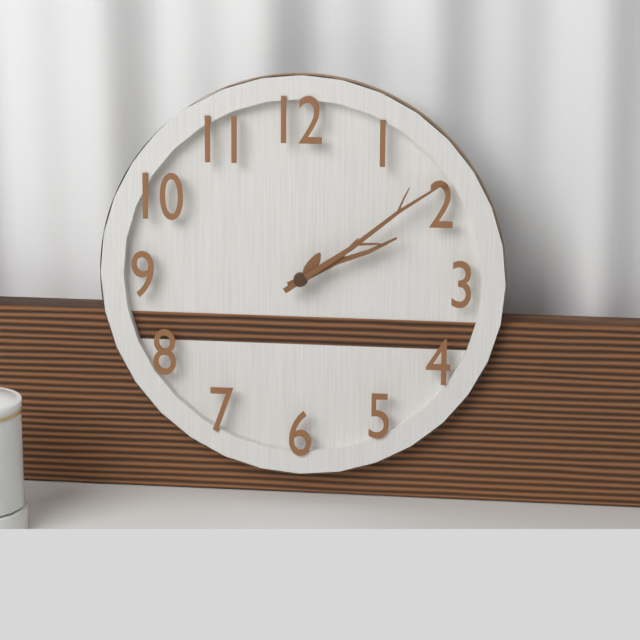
2,09
